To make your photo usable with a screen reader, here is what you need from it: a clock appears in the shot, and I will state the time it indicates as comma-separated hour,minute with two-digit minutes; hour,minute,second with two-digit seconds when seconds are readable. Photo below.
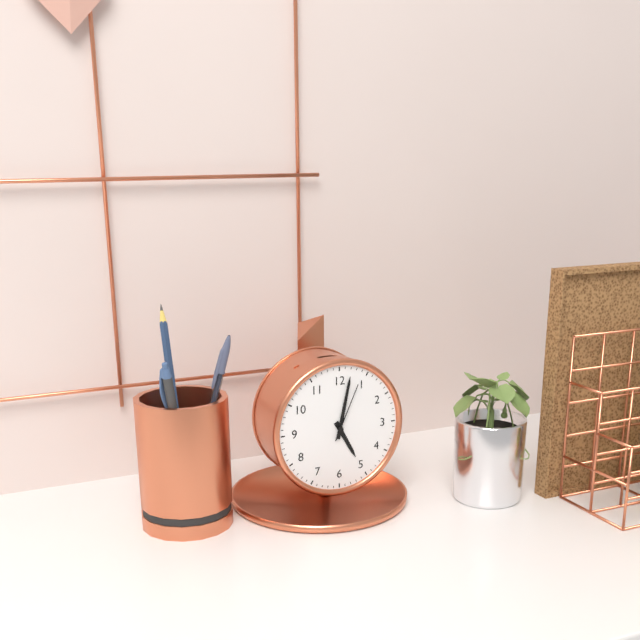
5,02,04
